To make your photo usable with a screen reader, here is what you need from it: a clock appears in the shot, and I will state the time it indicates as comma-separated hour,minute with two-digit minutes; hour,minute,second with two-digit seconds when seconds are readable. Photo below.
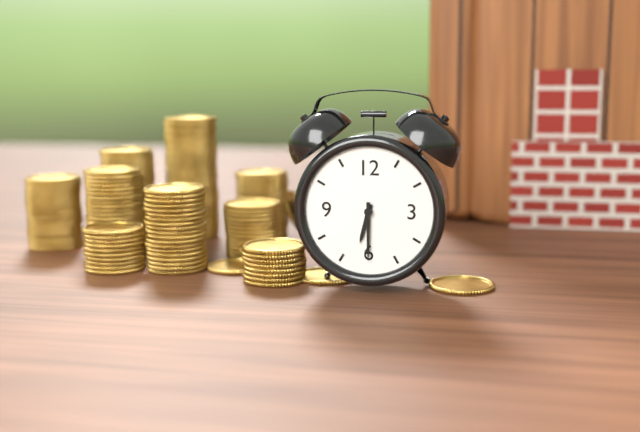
6,30
